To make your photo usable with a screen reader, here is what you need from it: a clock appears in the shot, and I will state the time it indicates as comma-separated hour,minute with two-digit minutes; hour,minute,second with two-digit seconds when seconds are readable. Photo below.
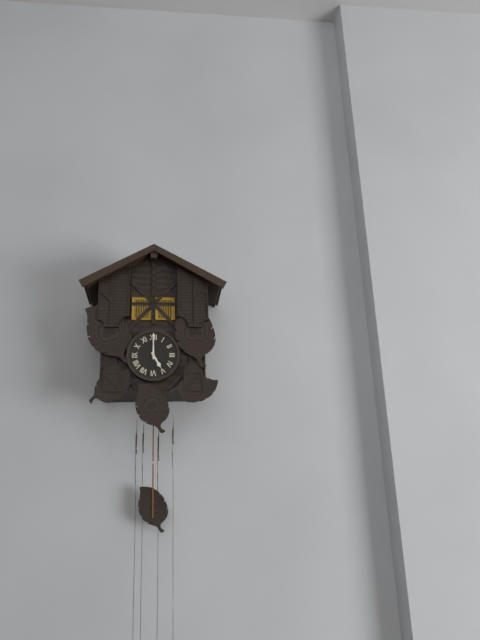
5,00
